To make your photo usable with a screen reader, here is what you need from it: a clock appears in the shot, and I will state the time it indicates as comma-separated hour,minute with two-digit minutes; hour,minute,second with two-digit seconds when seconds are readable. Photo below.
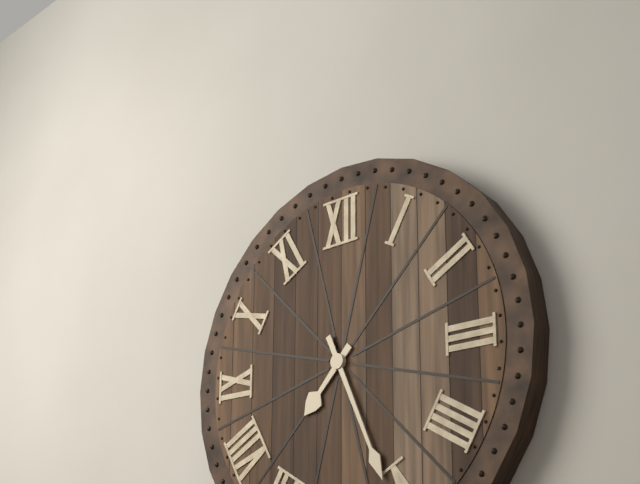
7,26
